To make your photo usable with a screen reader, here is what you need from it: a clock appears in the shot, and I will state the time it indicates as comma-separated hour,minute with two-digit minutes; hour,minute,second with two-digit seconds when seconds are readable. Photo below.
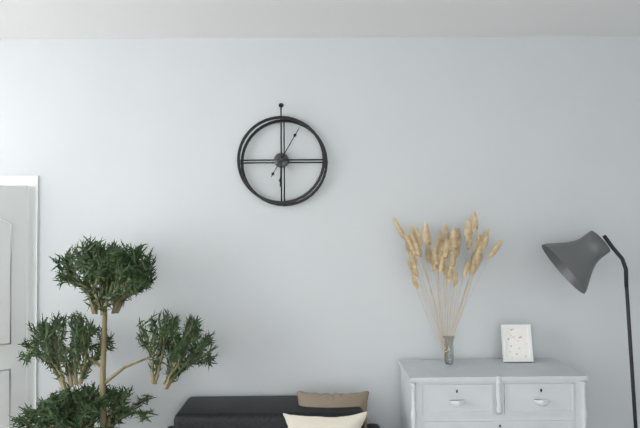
6,05
